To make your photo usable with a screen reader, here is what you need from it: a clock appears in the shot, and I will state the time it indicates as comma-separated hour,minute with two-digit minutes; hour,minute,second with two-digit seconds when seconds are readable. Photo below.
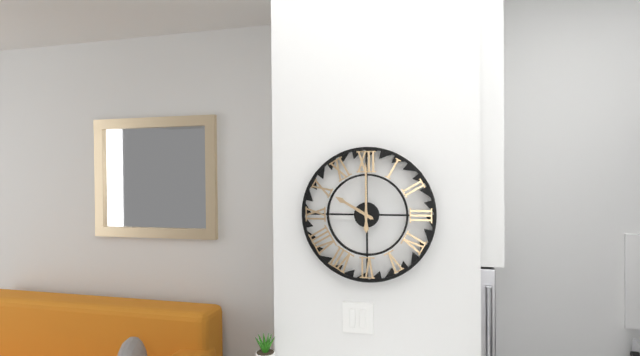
10,00
